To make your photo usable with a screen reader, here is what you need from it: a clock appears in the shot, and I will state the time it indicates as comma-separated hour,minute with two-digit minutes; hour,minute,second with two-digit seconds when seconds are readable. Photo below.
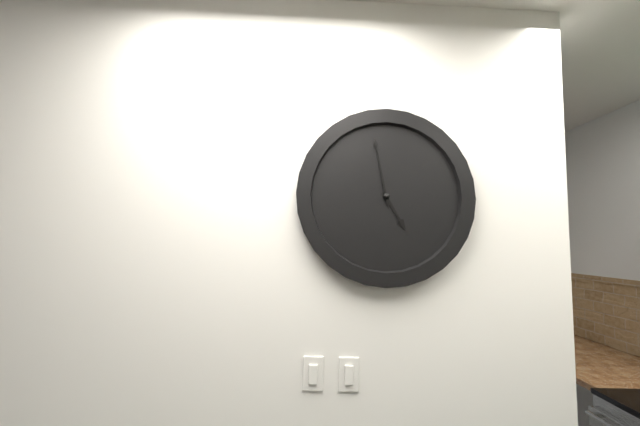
4,58
